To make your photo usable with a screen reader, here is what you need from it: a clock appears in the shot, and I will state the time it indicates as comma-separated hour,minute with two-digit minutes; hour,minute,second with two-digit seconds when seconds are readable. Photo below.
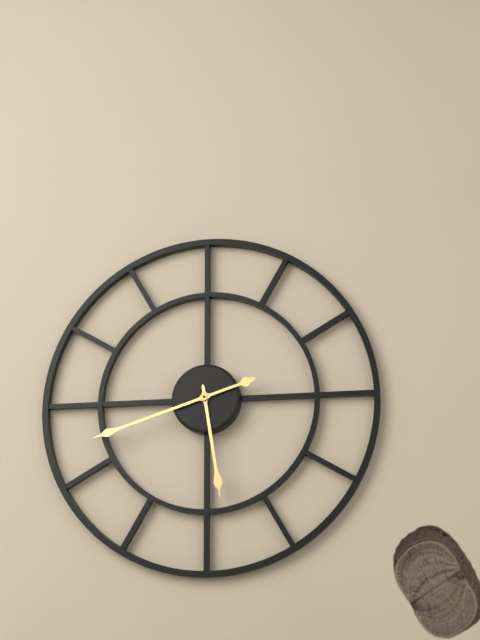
5,42
